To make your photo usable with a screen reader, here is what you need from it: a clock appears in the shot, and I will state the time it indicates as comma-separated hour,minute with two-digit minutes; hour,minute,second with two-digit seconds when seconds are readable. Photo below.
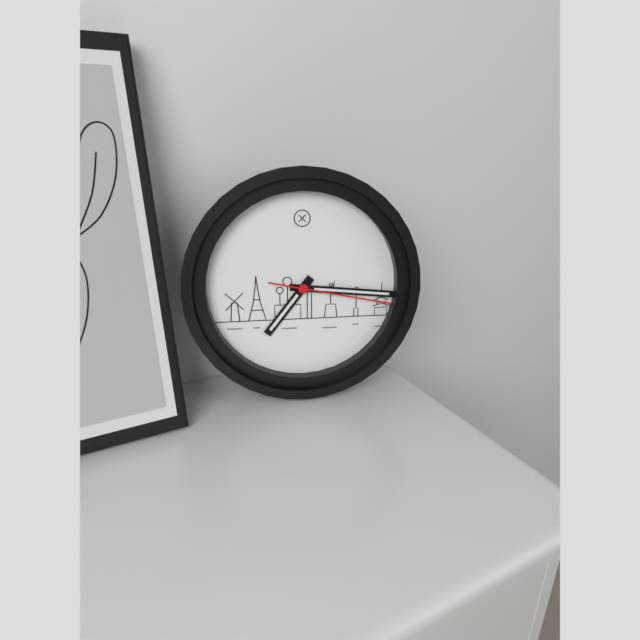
7,16,17
